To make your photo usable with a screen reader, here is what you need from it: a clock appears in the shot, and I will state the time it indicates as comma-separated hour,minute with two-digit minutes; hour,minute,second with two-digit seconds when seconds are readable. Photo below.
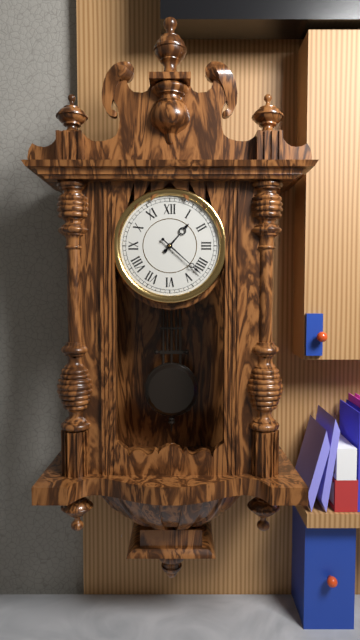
1,22
